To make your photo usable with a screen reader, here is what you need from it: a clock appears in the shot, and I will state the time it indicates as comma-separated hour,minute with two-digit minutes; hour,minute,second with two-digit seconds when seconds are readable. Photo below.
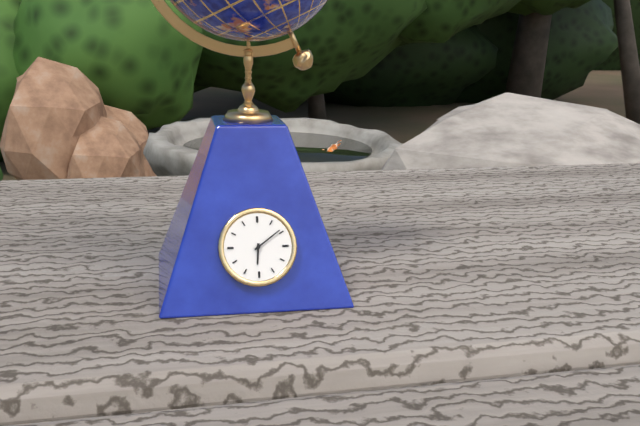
6,09
